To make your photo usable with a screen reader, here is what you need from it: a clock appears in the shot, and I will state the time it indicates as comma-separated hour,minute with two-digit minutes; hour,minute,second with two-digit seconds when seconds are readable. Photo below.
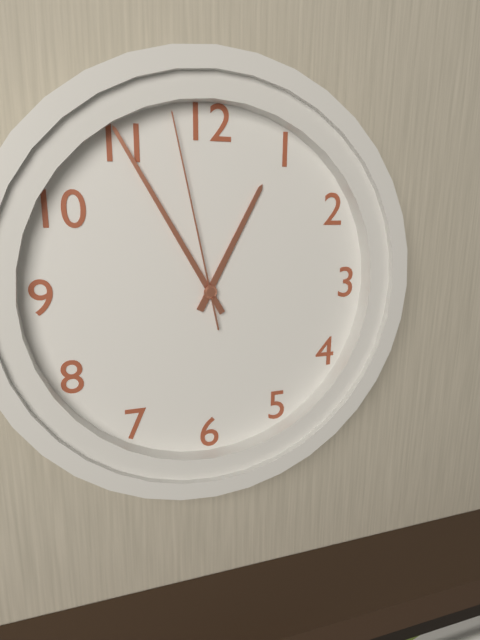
12,55,58
